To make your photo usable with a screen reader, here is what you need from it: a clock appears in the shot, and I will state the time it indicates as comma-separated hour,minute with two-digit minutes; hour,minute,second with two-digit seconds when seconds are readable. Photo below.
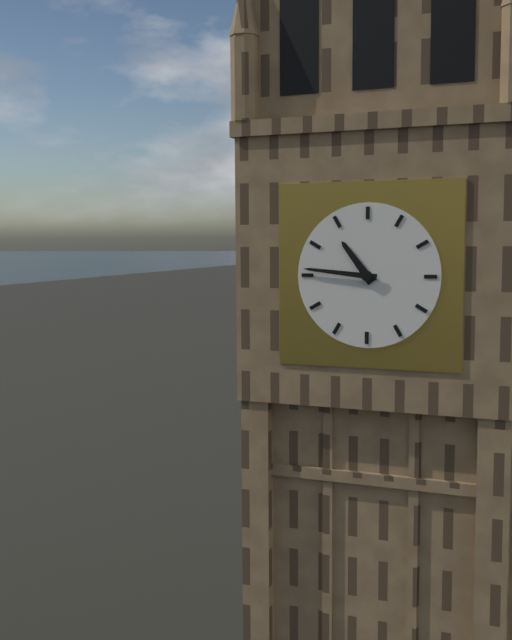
10,46
